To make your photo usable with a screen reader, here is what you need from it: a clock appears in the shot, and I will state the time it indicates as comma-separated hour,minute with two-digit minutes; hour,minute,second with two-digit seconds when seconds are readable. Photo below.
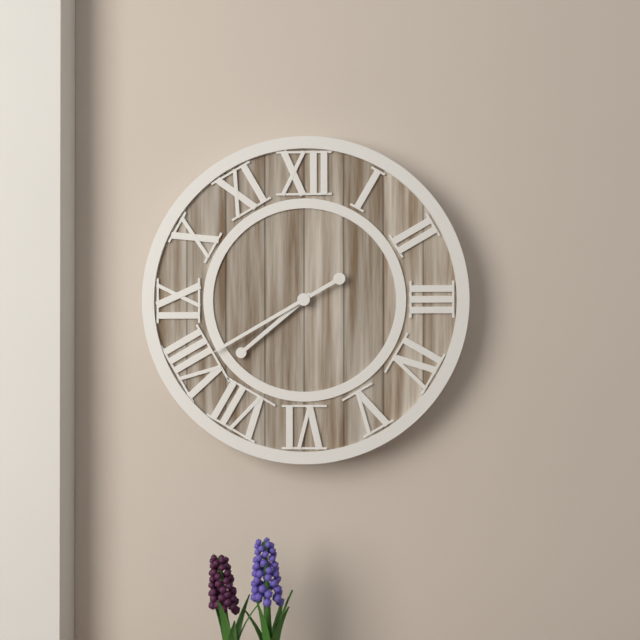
7,40
